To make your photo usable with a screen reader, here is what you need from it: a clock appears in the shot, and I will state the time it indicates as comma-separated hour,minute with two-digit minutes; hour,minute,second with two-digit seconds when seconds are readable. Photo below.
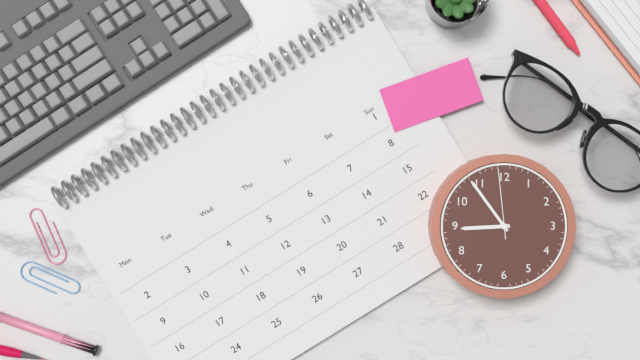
8,54,59
